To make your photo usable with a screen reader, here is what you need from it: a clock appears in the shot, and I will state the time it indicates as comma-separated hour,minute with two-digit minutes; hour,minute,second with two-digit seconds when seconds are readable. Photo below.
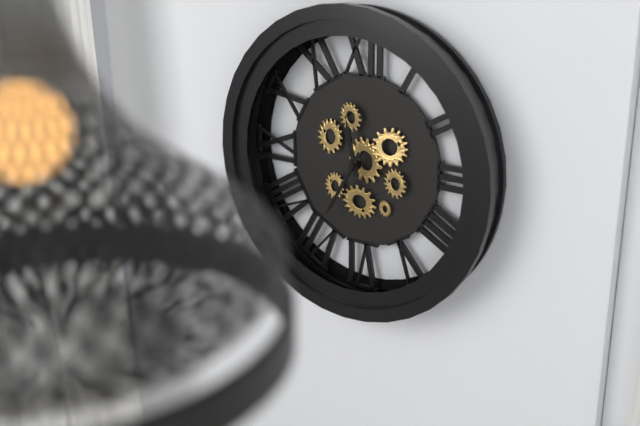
11,35
